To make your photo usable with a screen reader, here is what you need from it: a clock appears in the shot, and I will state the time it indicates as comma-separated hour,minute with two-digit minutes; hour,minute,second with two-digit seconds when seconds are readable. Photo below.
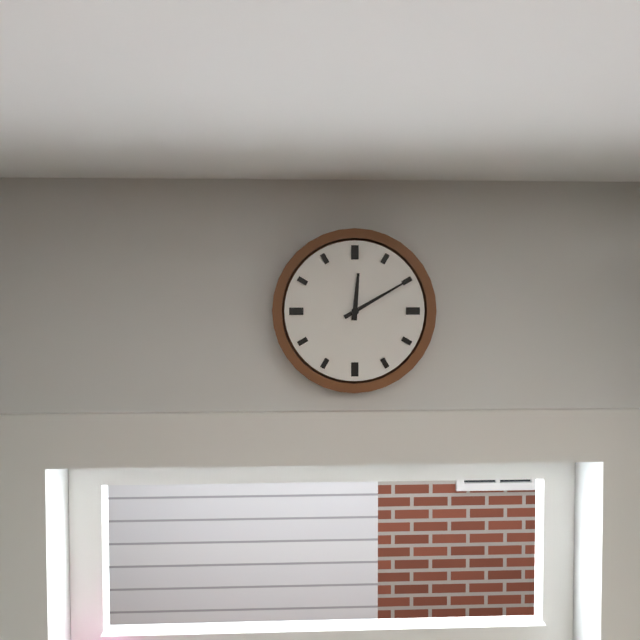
12,10
